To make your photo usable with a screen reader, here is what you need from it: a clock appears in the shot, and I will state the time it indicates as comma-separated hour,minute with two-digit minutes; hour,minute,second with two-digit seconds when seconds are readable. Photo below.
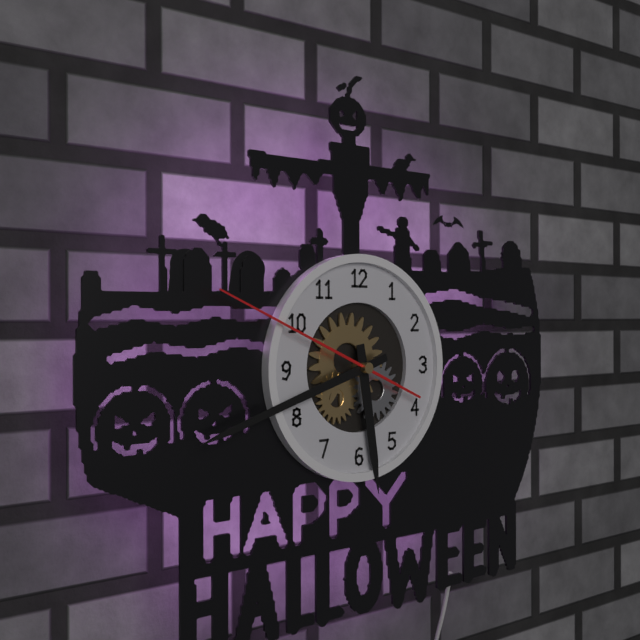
5,42,49
